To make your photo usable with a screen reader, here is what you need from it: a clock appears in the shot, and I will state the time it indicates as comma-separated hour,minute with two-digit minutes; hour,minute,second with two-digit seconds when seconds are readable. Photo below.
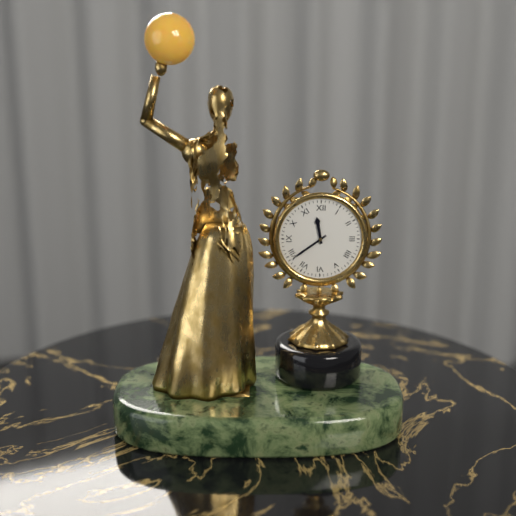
11,39
